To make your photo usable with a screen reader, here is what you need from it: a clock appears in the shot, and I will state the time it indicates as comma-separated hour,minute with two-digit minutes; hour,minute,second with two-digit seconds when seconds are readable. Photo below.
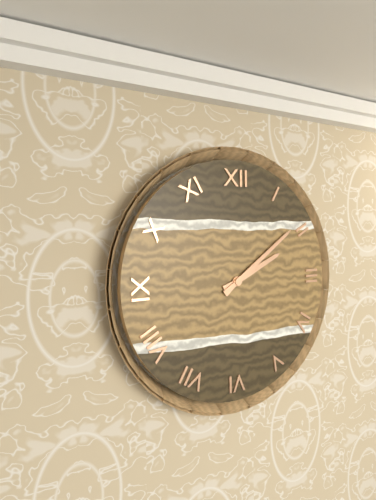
2,09
